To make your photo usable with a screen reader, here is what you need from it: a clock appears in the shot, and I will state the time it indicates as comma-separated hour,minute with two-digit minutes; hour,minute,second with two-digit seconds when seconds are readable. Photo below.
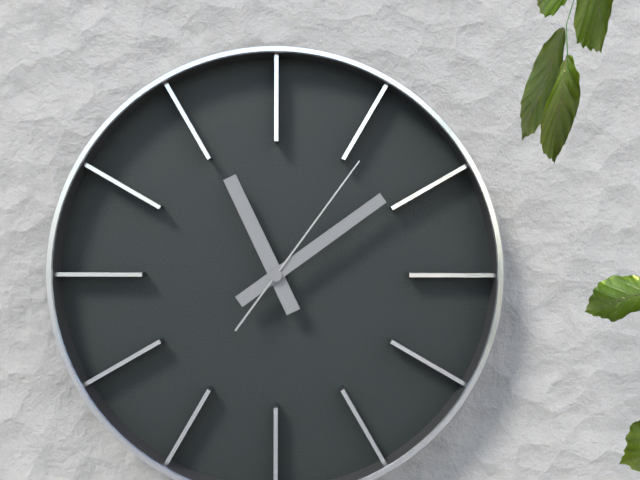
11,09,06
